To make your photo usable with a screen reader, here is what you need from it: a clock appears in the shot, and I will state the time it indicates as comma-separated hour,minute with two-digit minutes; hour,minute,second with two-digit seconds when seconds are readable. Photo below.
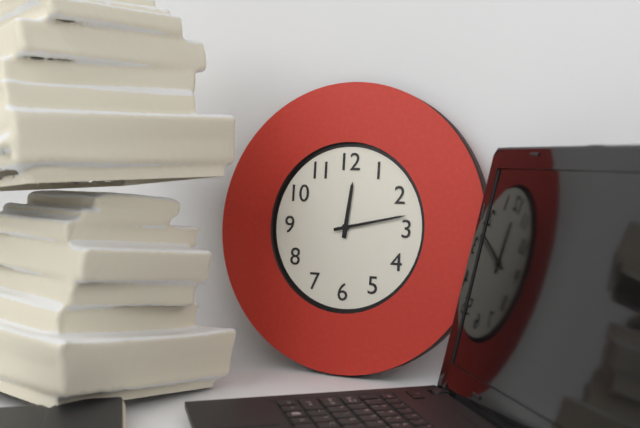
12,13
